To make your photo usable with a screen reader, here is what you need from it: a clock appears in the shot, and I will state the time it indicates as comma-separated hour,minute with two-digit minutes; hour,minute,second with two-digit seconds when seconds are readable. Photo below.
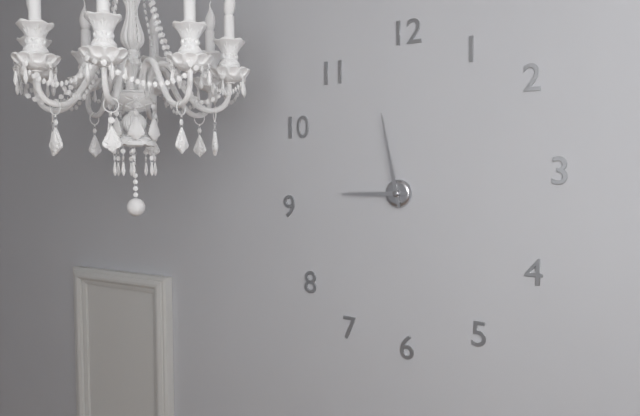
8,58
